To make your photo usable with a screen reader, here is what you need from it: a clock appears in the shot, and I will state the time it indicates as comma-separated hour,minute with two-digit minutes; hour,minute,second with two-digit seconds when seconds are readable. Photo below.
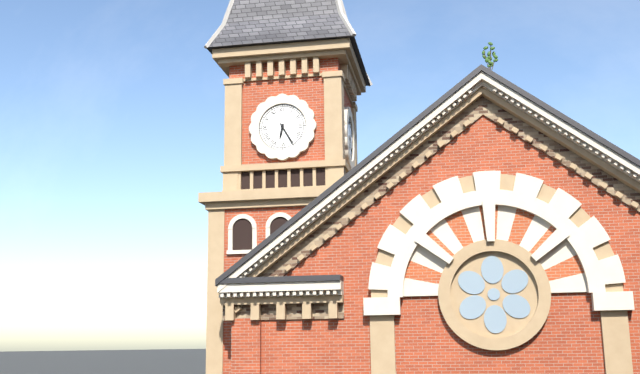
6,25
